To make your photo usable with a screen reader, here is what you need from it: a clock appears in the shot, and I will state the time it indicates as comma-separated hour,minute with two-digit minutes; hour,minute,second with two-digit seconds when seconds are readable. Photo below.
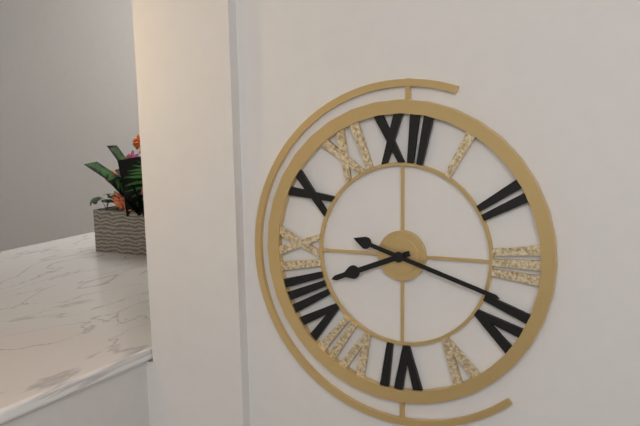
8,18
